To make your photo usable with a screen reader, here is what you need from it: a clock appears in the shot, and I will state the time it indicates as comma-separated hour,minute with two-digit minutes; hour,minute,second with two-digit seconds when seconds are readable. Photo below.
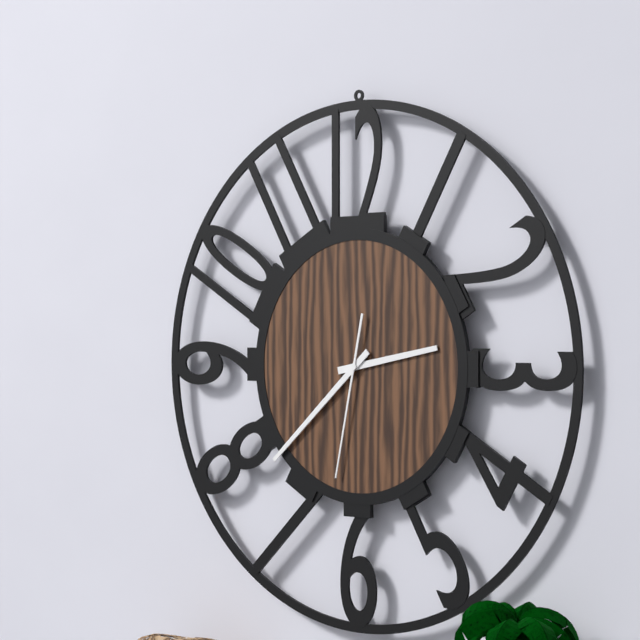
2,38,32
